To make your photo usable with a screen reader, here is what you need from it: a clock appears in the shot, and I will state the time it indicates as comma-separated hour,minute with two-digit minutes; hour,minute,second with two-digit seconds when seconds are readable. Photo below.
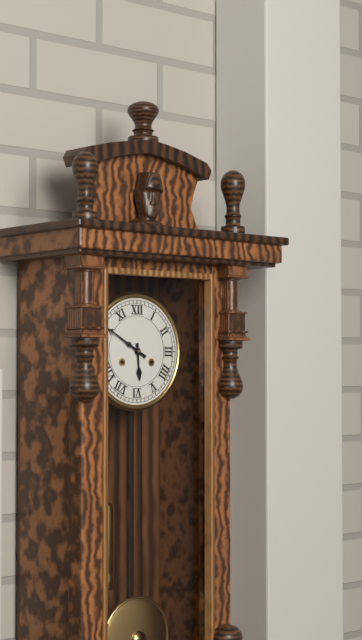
5,50
